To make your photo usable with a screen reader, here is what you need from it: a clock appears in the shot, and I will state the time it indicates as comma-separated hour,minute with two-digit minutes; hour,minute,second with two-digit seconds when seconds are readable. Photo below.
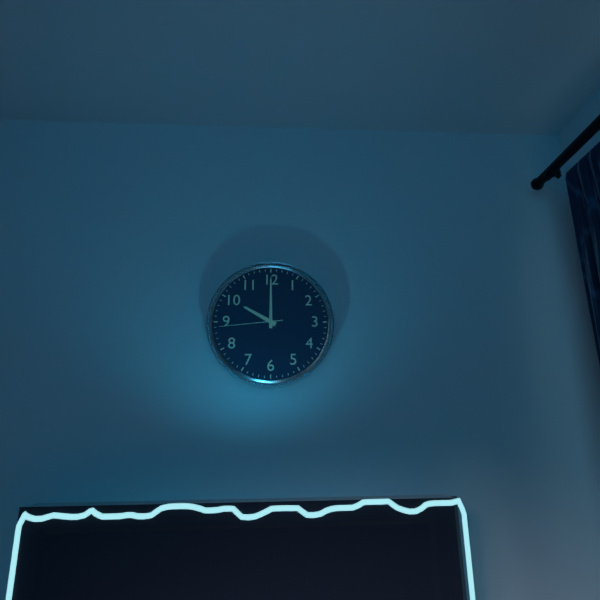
10,00,44
